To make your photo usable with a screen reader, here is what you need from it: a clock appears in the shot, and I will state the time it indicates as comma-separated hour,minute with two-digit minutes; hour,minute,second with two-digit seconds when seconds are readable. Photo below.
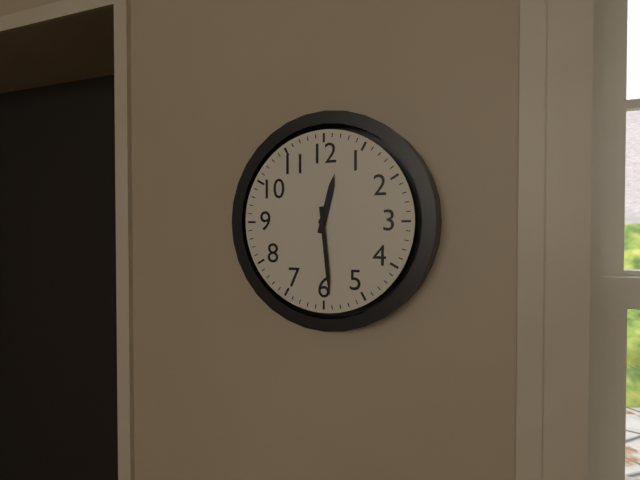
12,29
